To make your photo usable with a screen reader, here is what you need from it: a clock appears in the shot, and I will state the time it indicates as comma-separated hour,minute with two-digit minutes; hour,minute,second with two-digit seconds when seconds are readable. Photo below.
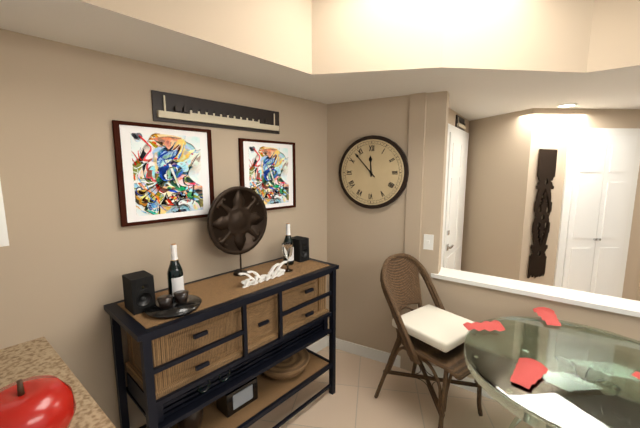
11,53
